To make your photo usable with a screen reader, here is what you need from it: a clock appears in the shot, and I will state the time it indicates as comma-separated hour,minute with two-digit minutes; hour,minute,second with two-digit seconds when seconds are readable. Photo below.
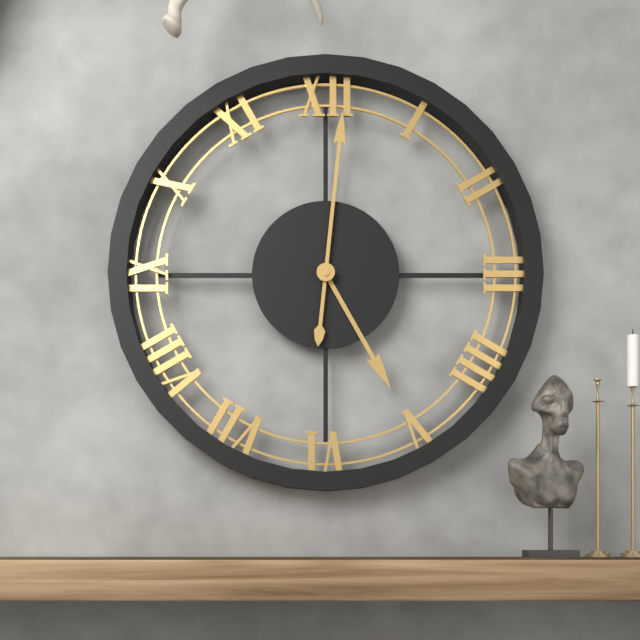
5,01
